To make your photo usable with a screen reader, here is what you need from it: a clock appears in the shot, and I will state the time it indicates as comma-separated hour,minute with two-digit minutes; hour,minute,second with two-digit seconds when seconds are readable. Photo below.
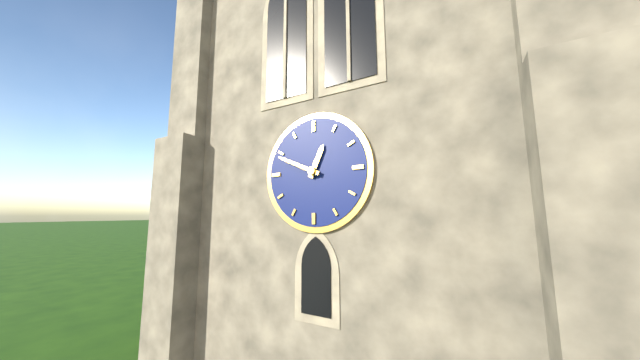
12,49
